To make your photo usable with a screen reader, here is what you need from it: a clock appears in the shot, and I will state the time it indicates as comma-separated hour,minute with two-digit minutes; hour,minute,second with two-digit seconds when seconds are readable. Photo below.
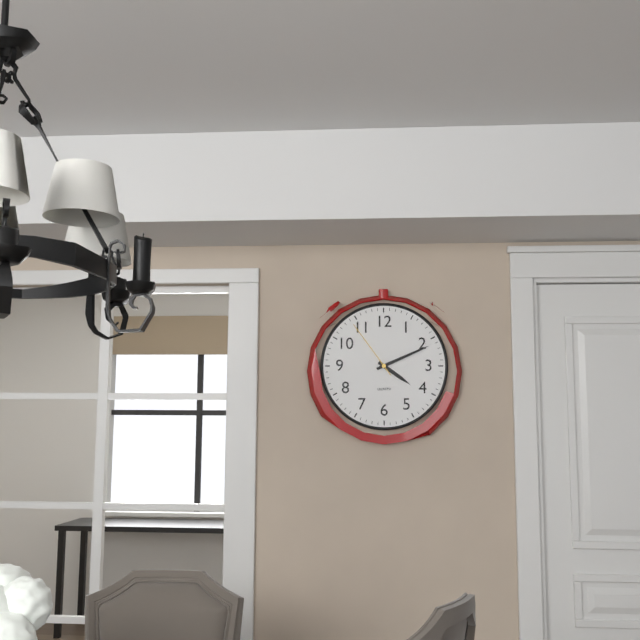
4,11,54
